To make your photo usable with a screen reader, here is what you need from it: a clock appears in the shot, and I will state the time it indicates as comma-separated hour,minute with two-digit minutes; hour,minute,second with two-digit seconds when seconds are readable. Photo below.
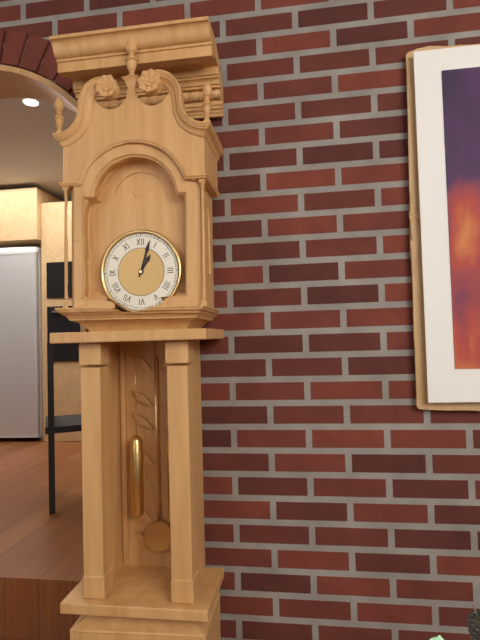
1,03
